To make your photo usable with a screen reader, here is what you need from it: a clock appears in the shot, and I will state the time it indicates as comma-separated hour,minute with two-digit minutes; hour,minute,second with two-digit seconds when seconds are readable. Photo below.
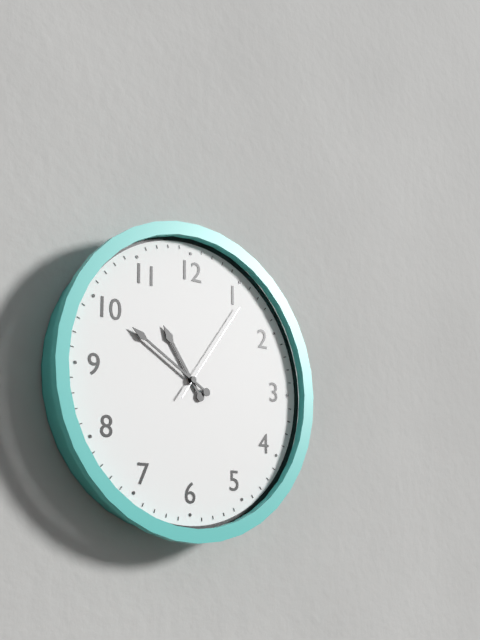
10,50,06
